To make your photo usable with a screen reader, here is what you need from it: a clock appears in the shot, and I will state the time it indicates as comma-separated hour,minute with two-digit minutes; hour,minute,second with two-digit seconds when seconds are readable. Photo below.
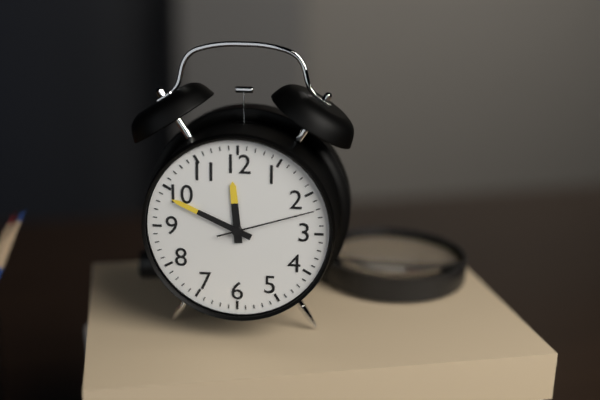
11,49,12
